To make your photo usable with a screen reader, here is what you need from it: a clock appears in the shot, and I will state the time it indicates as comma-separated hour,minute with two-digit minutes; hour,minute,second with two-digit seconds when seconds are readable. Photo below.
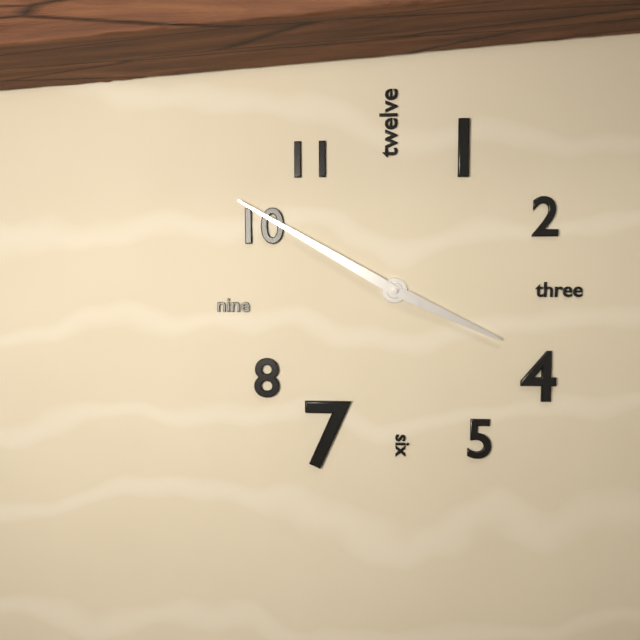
3,50
